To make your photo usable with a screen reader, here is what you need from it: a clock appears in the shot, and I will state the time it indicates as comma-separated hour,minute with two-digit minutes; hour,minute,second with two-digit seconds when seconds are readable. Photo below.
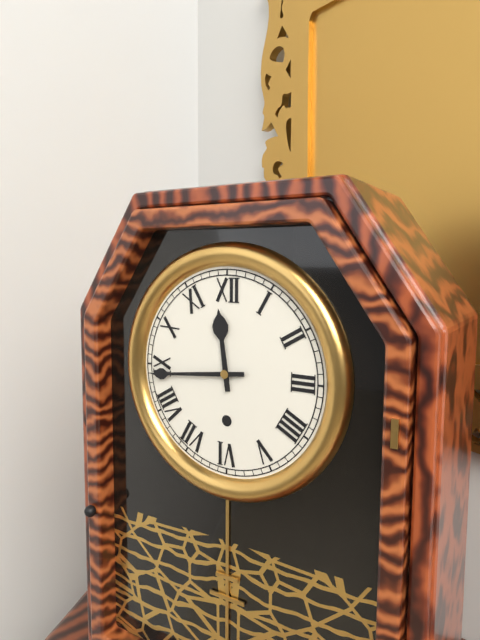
11,44
